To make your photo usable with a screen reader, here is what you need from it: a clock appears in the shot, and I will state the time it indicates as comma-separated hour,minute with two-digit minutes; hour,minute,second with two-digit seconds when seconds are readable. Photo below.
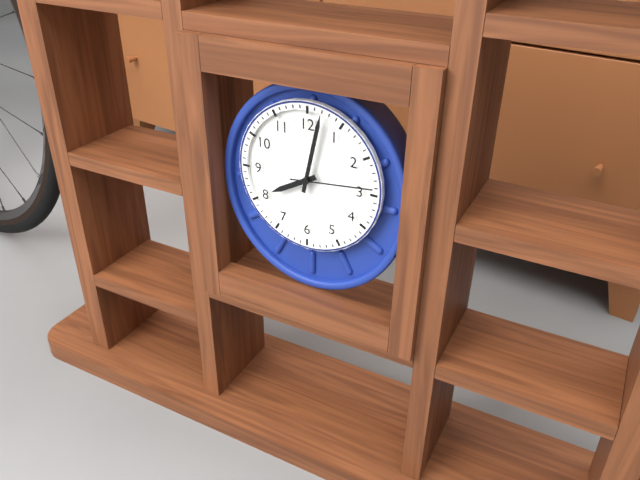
8,02,14
